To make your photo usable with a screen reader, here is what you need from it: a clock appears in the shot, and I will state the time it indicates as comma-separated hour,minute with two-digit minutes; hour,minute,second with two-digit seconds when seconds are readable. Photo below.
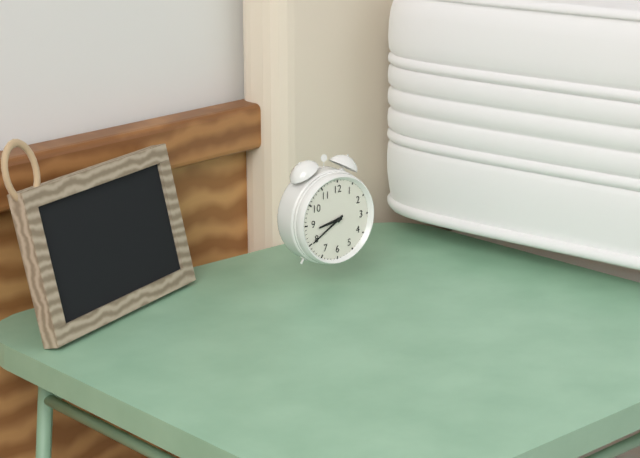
8,40
